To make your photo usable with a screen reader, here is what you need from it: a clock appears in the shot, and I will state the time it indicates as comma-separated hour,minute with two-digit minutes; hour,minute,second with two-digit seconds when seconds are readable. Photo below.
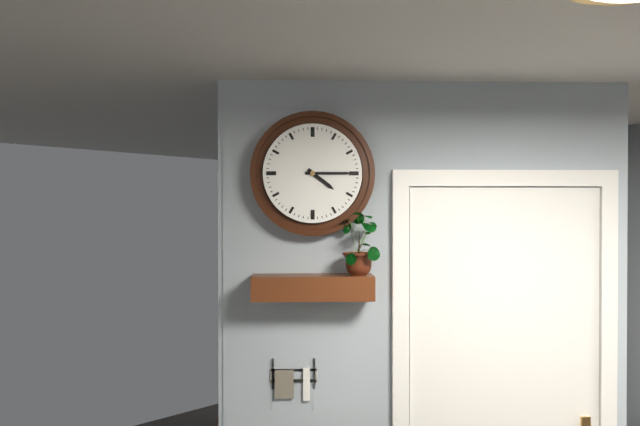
4,15
